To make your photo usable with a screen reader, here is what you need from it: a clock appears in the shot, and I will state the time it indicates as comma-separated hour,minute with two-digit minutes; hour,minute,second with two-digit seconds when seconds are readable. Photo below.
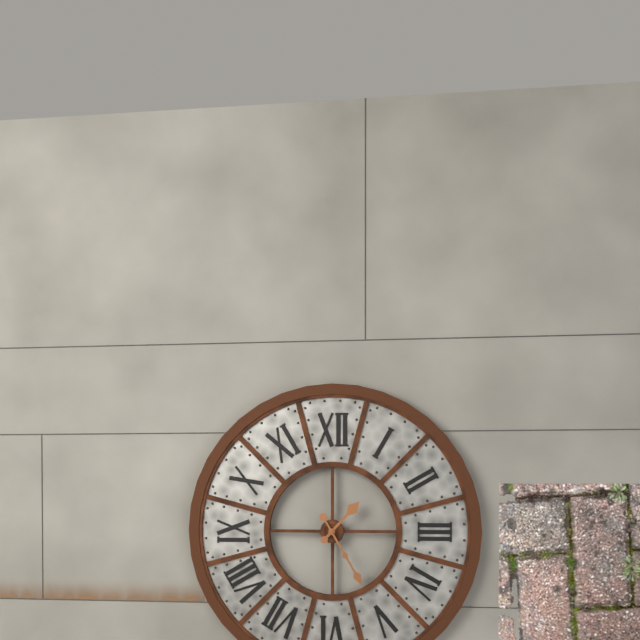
1,25
